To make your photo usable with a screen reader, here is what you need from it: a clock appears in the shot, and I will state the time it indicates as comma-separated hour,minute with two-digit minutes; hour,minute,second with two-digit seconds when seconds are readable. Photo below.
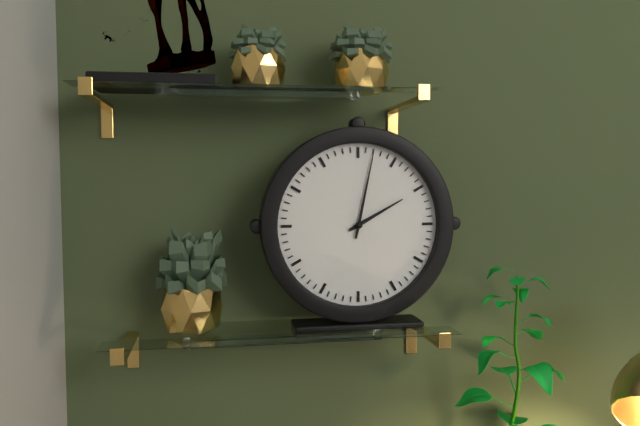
2,02
